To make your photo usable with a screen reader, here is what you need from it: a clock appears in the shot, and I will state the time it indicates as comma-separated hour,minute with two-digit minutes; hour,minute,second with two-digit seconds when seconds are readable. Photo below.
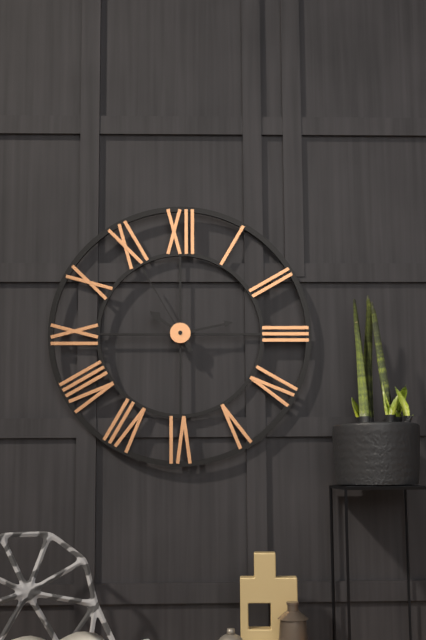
10,13,55
